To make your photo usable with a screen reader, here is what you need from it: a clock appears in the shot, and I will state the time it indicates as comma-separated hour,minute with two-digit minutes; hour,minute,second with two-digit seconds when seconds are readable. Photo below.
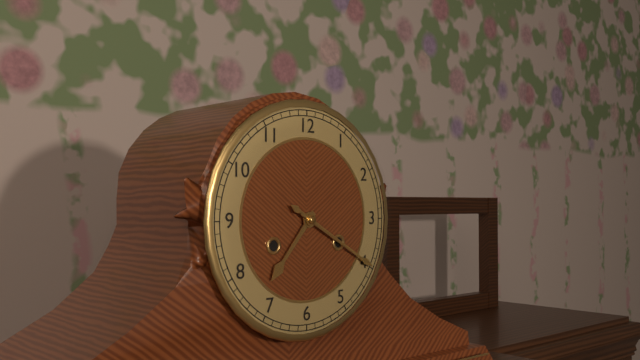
7,20
